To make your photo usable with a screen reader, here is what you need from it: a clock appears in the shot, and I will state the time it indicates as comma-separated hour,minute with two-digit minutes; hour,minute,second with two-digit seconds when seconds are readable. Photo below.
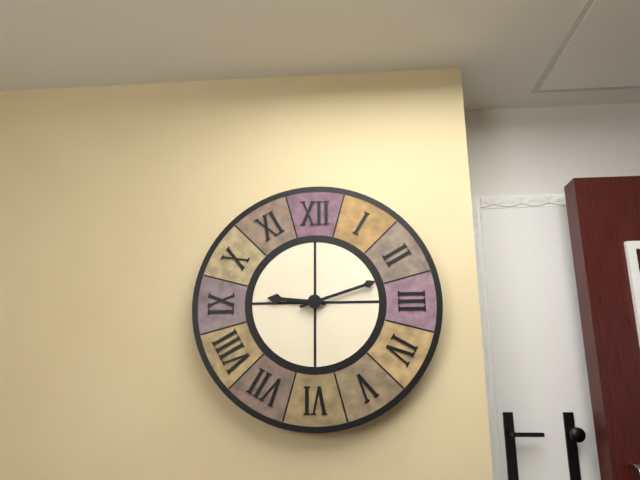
9,12
